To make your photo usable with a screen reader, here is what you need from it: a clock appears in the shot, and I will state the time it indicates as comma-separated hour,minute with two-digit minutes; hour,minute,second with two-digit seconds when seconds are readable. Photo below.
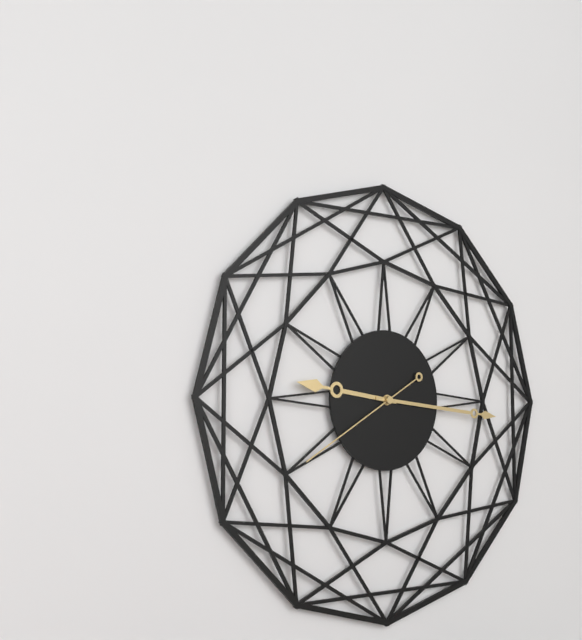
9,16,40
